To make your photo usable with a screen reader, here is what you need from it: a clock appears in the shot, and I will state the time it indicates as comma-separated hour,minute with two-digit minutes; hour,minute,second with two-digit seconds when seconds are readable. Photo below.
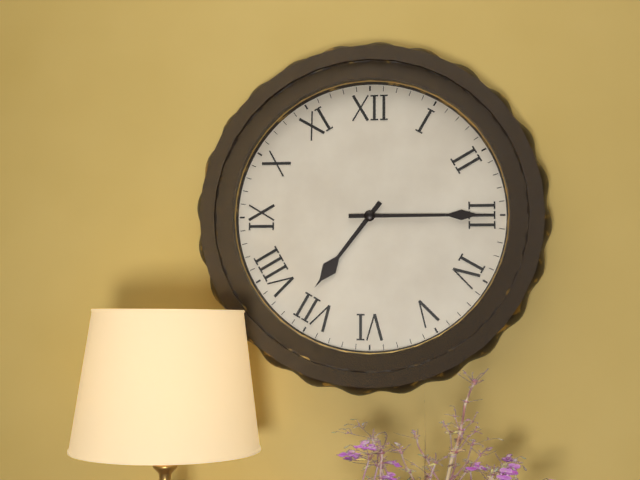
7,15
